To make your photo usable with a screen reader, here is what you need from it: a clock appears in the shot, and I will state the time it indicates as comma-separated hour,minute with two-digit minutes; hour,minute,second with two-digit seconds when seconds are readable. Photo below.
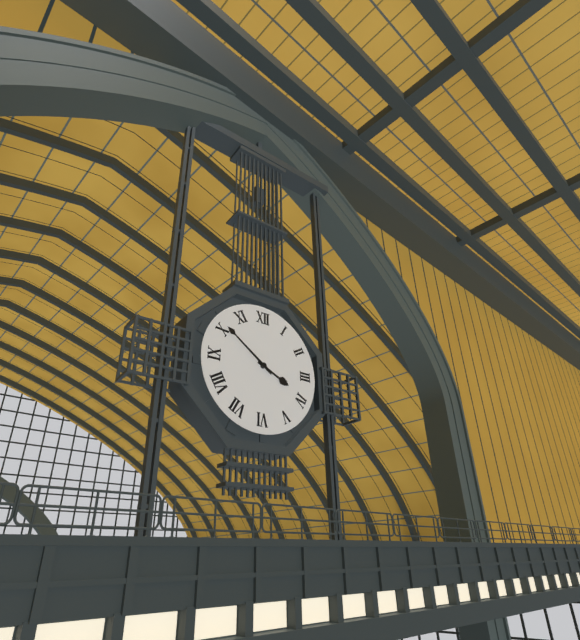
3,51
